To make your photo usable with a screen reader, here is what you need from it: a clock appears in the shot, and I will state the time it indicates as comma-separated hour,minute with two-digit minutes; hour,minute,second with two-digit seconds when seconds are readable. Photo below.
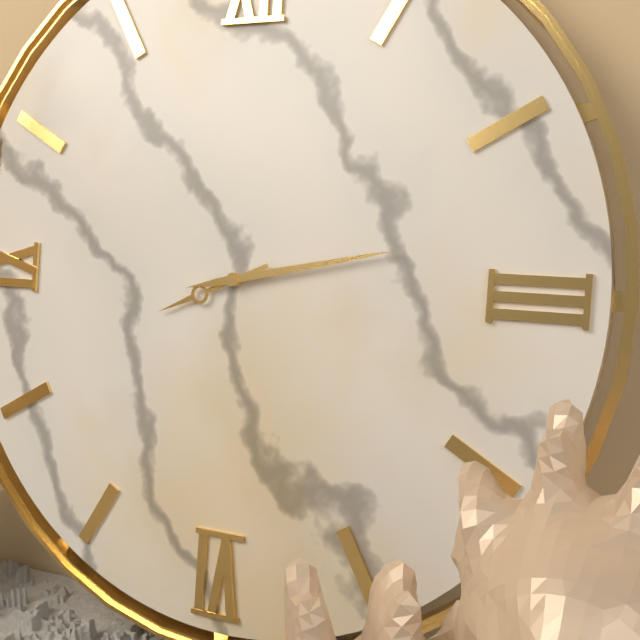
8,13
